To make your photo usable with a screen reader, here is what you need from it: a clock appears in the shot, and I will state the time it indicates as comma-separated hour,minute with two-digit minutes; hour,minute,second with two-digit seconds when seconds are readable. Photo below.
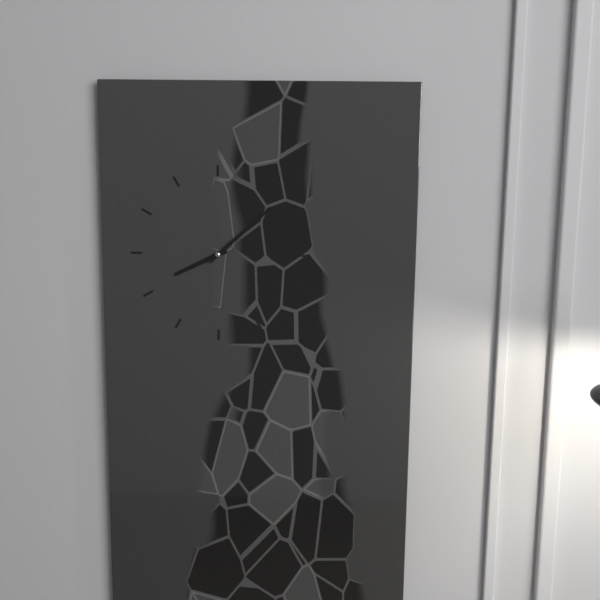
8,08
